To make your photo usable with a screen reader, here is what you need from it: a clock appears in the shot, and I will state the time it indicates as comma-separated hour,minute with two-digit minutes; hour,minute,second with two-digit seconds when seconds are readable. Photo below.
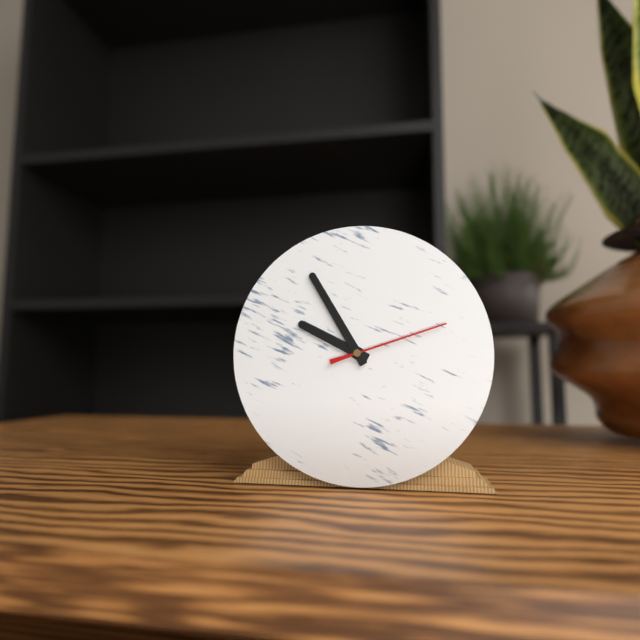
9,55,12
